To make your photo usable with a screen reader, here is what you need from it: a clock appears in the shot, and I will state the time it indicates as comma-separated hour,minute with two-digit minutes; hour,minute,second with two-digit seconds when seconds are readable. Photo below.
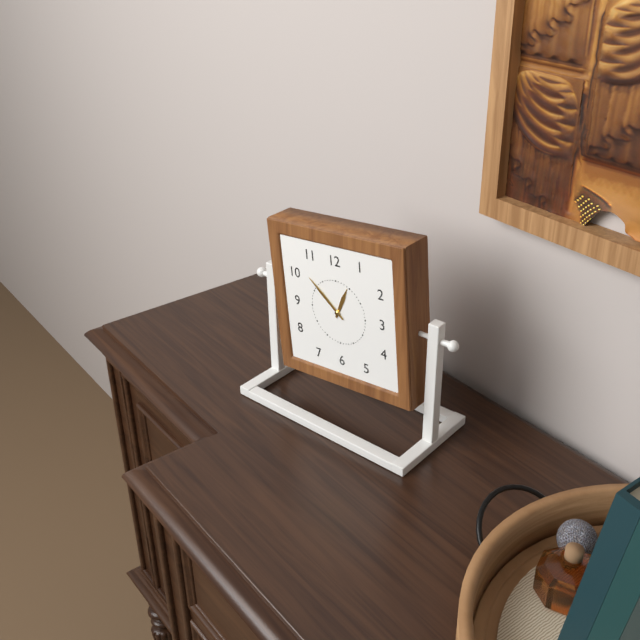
12,52
